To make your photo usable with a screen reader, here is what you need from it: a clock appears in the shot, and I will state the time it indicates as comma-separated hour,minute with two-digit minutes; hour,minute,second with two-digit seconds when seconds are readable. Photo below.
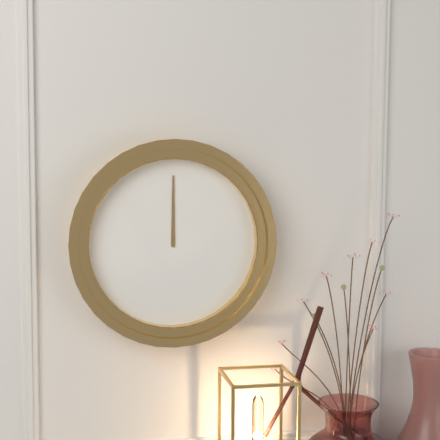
12,00
